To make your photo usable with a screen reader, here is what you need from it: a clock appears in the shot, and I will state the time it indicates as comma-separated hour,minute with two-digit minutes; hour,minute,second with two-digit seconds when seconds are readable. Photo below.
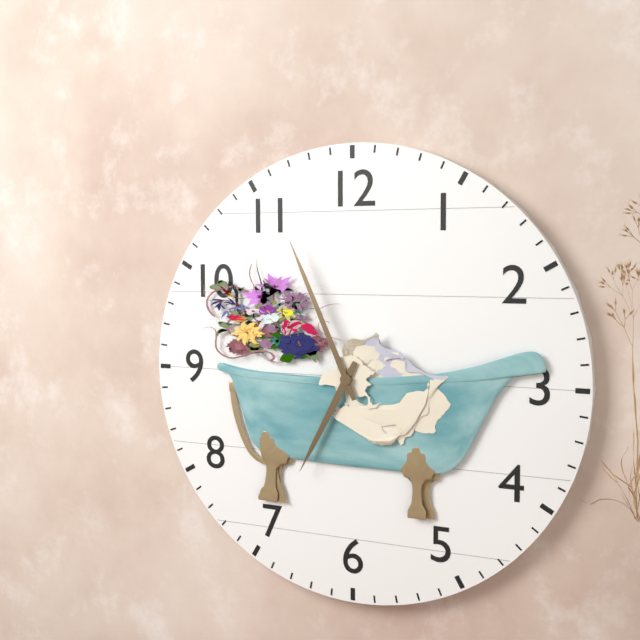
6,56
